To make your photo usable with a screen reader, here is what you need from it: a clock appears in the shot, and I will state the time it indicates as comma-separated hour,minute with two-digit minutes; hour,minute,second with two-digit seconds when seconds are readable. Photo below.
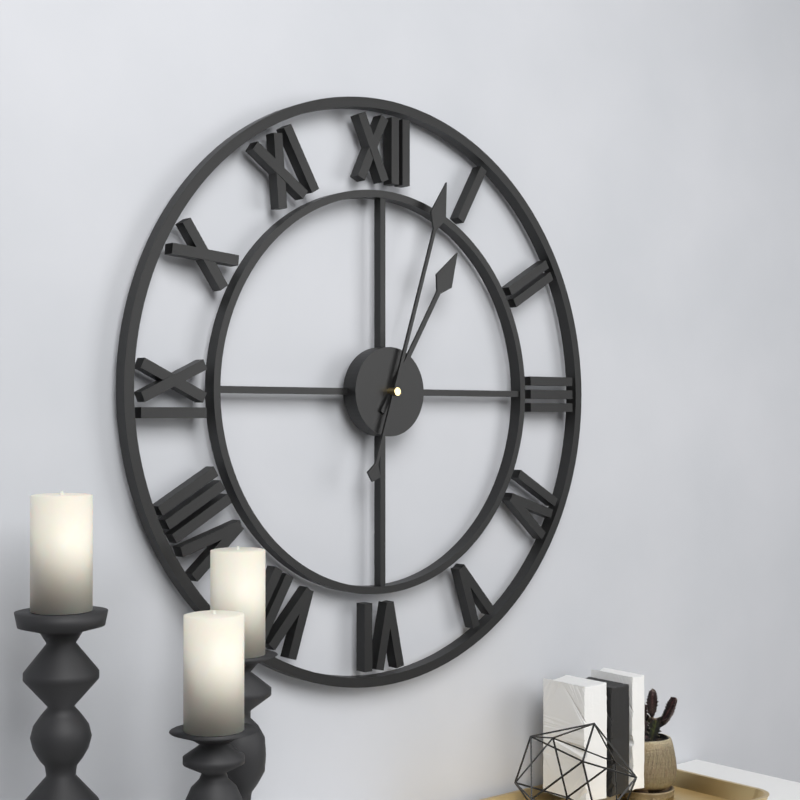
1,03
